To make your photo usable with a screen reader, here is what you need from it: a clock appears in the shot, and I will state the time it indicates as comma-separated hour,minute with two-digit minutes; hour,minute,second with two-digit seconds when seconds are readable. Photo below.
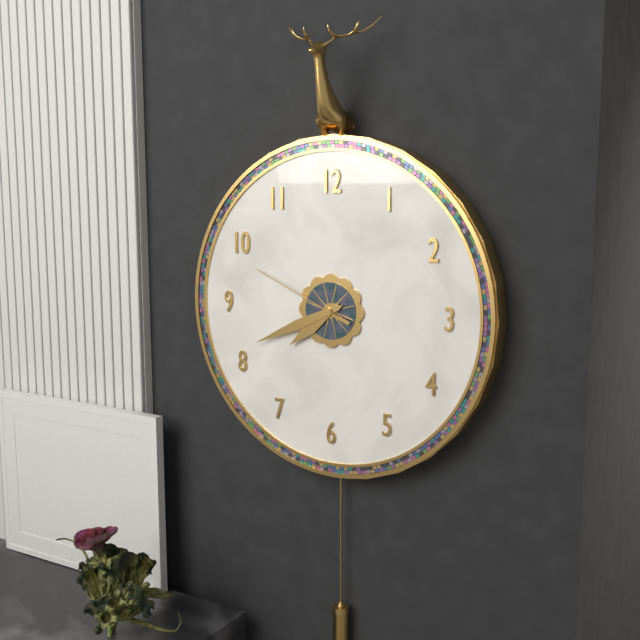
7,41,49
